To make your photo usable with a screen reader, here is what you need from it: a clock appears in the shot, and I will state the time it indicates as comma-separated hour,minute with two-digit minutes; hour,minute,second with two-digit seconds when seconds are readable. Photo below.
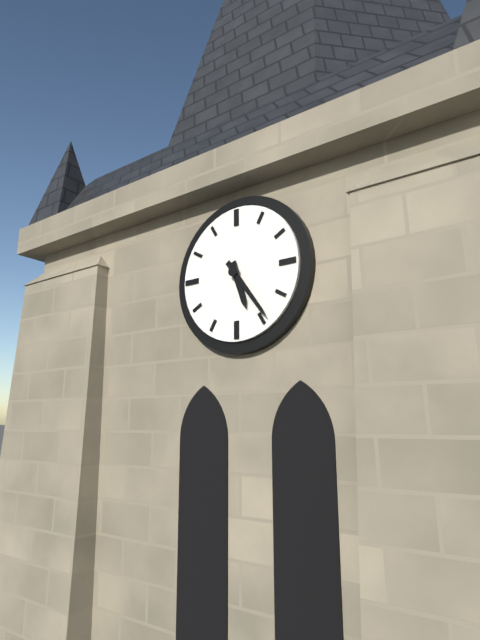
5,24
